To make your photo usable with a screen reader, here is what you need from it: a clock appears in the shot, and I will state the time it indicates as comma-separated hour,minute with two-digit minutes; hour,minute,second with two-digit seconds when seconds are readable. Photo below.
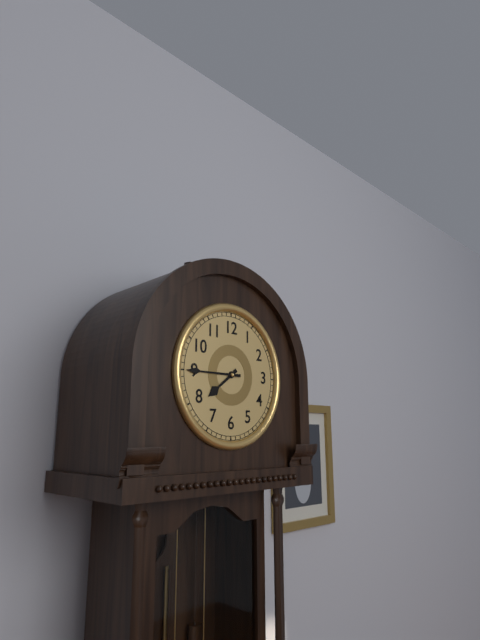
7,45
